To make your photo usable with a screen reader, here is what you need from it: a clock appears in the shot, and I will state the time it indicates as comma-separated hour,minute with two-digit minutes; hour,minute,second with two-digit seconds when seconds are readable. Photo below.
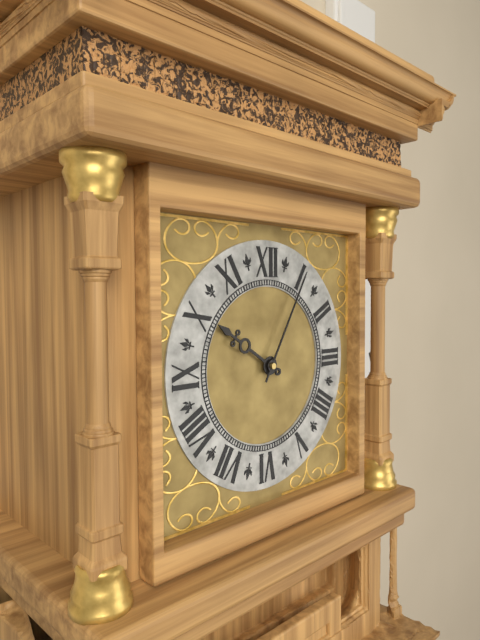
10,05
